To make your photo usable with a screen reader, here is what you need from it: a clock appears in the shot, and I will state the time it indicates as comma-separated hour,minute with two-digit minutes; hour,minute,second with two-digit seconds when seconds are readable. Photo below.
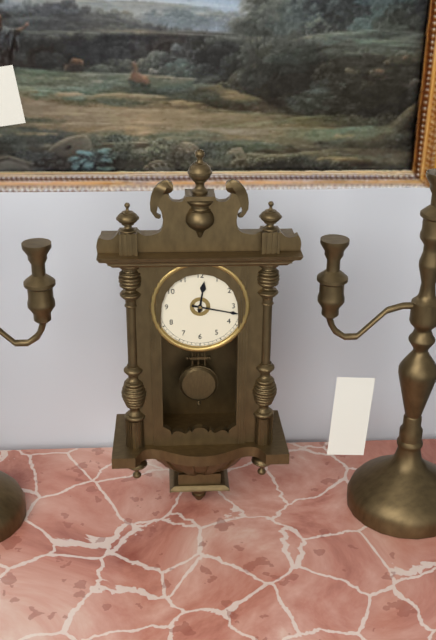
12,17
